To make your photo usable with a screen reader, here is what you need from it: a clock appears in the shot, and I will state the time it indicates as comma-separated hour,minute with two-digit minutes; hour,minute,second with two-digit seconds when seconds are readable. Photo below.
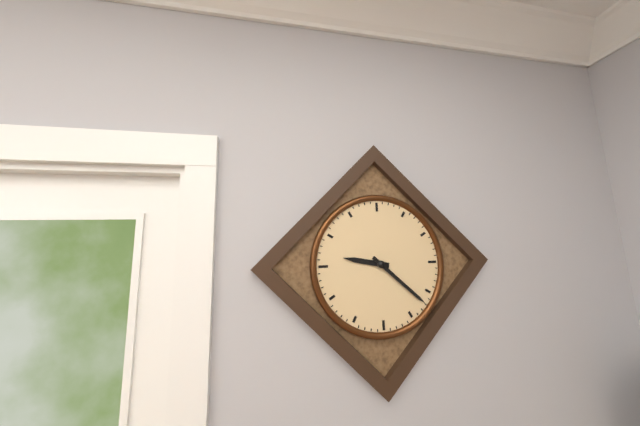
9,22
